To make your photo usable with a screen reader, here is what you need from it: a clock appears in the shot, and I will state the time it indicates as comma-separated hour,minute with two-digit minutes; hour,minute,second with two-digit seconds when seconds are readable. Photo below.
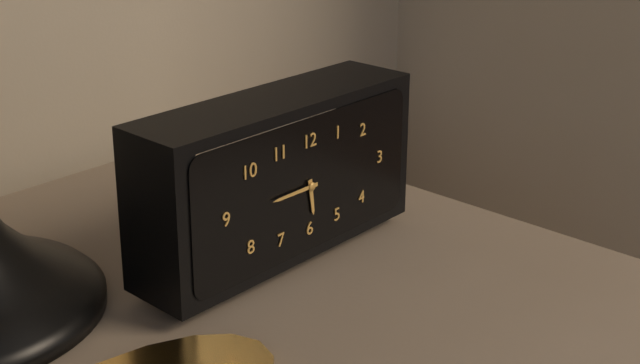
5,45
